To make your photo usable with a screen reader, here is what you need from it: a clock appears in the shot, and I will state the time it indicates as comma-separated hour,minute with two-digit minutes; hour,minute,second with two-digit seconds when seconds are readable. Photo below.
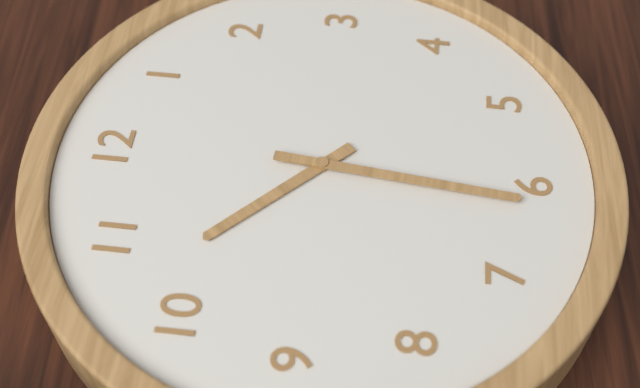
10,31
